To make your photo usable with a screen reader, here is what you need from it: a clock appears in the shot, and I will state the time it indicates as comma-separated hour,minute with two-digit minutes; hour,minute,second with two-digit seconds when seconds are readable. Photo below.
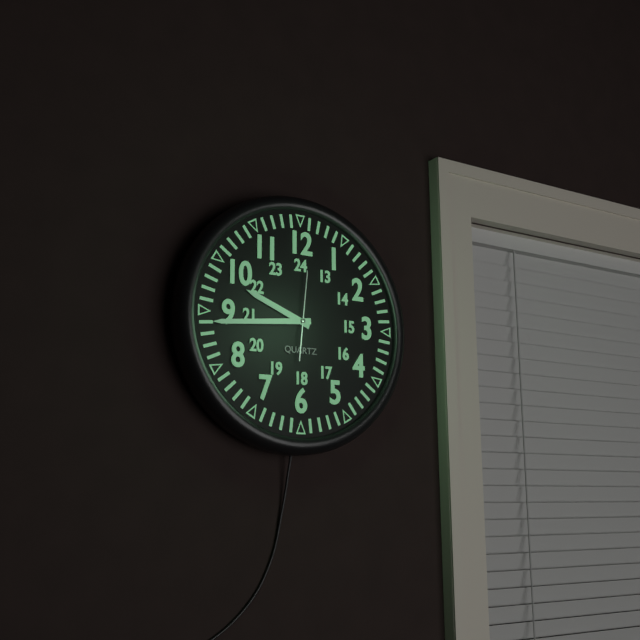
9,44,01
